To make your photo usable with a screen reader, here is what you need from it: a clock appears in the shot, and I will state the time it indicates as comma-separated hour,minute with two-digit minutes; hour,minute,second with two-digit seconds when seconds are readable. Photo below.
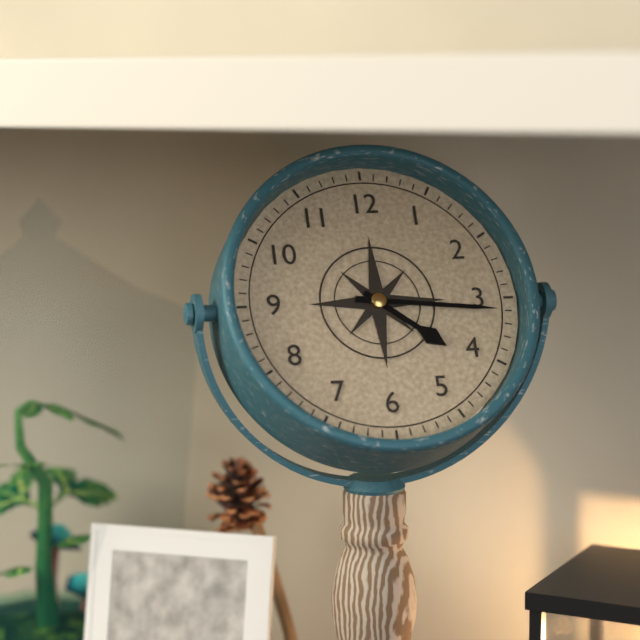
4,16
